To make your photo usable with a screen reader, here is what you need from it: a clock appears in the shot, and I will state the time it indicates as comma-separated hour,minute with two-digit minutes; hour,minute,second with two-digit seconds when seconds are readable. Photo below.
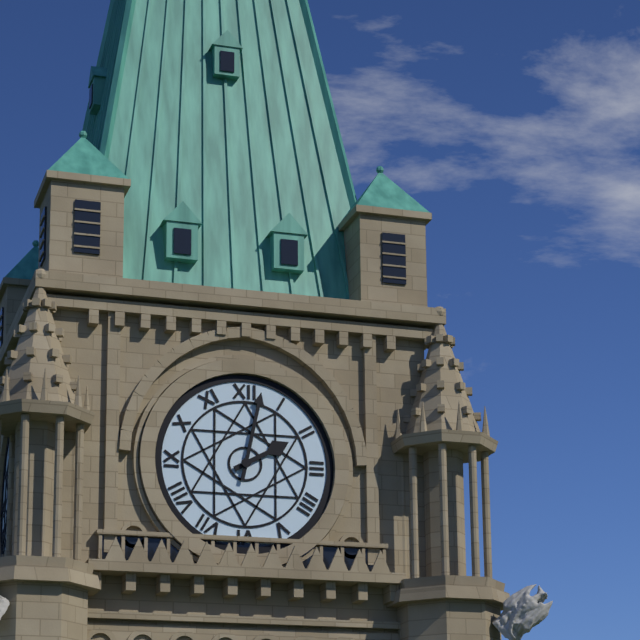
2,02
